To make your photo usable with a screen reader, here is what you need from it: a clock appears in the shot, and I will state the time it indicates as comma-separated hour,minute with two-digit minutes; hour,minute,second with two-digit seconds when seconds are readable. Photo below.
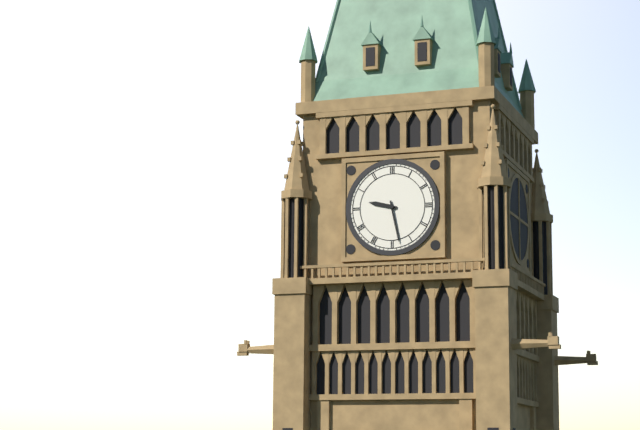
9,28
